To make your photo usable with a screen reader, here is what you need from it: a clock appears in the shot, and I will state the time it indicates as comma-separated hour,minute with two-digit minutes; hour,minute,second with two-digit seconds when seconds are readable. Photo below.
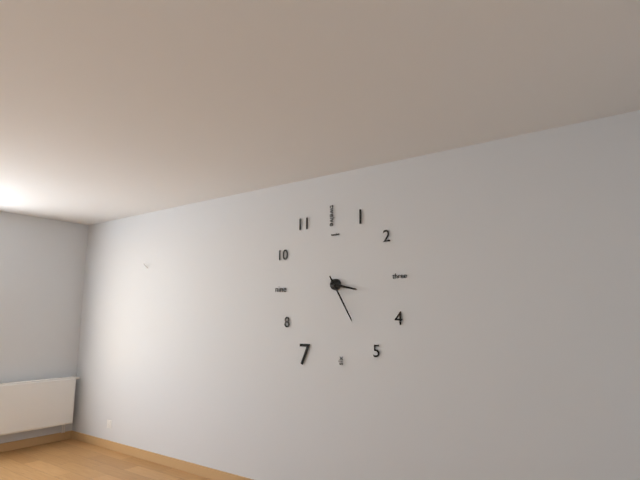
3,25
